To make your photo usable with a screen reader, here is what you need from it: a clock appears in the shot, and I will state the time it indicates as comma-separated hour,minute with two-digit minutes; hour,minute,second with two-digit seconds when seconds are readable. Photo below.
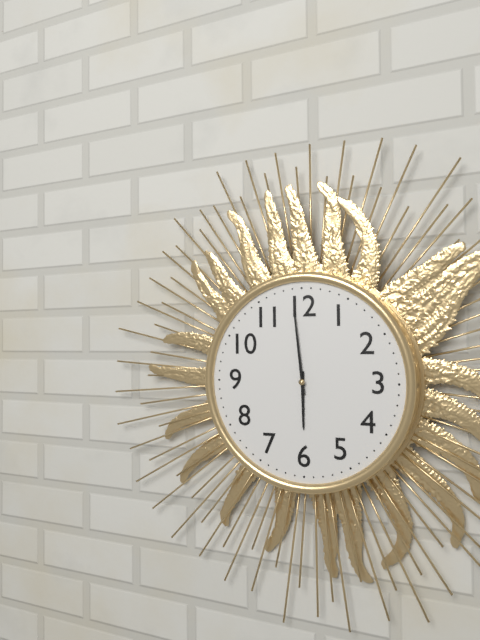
5,59
